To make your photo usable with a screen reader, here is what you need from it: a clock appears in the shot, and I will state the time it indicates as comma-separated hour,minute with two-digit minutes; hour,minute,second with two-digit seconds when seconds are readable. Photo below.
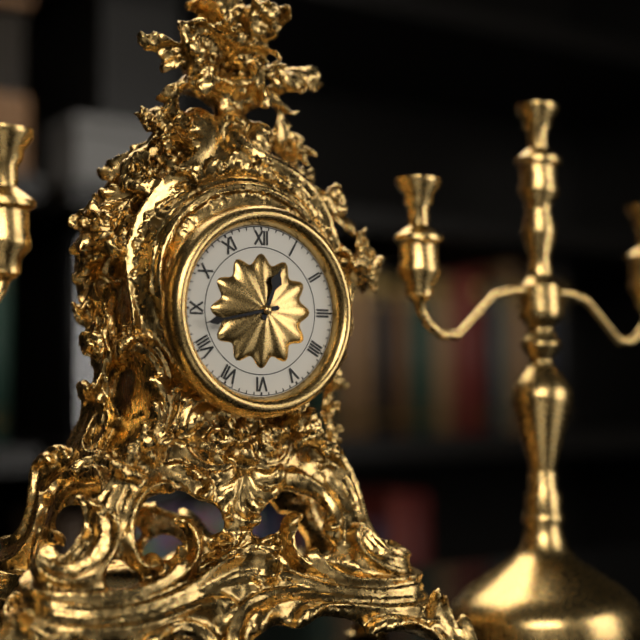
12,43
